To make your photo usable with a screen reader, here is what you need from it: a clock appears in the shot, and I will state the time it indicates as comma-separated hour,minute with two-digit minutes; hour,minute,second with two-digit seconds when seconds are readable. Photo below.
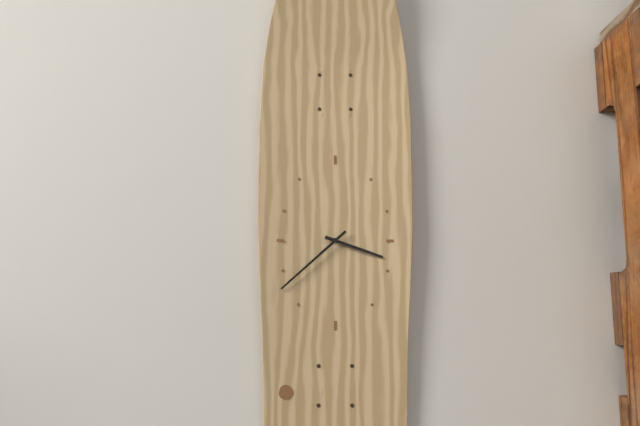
3,38
